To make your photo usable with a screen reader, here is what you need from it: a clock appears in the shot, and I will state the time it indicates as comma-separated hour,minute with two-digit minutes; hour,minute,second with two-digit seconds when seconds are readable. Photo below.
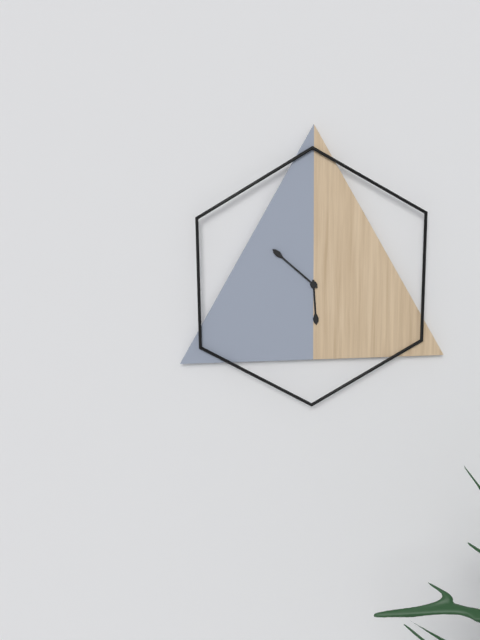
5,52
